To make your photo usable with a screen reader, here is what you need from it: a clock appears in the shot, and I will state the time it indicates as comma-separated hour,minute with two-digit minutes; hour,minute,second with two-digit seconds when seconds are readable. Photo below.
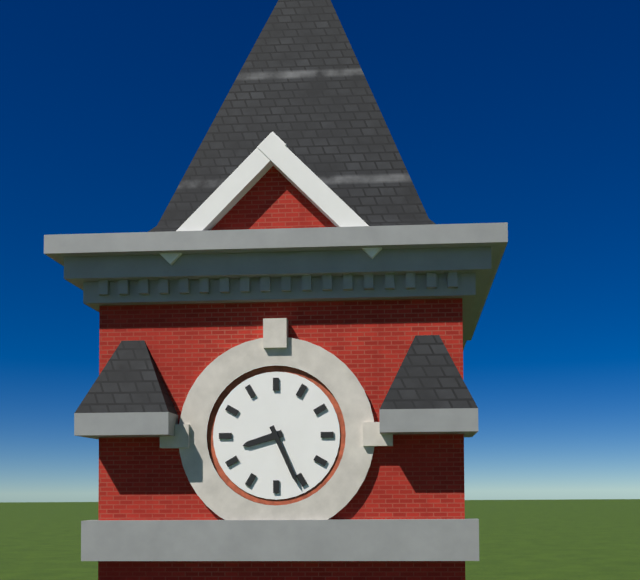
8,26
